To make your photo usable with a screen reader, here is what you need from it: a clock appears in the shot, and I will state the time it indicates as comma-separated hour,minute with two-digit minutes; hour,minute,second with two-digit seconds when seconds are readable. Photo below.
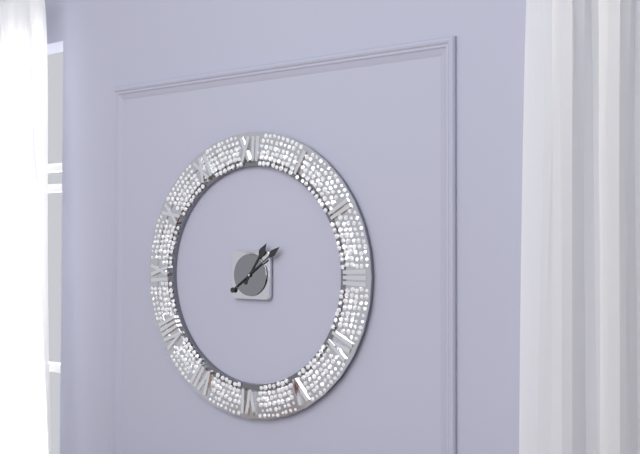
1,09
